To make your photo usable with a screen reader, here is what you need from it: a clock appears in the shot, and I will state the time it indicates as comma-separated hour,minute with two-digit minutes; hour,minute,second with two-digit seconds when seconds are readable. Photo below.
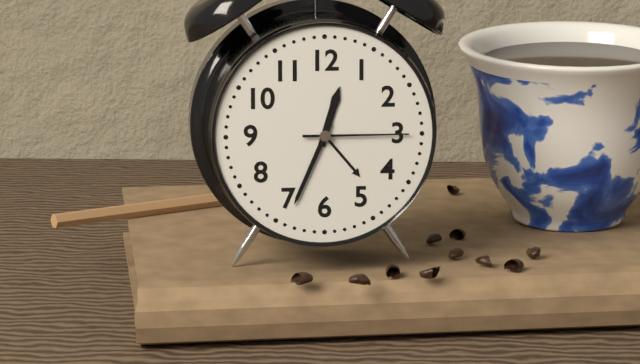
12,34,15
